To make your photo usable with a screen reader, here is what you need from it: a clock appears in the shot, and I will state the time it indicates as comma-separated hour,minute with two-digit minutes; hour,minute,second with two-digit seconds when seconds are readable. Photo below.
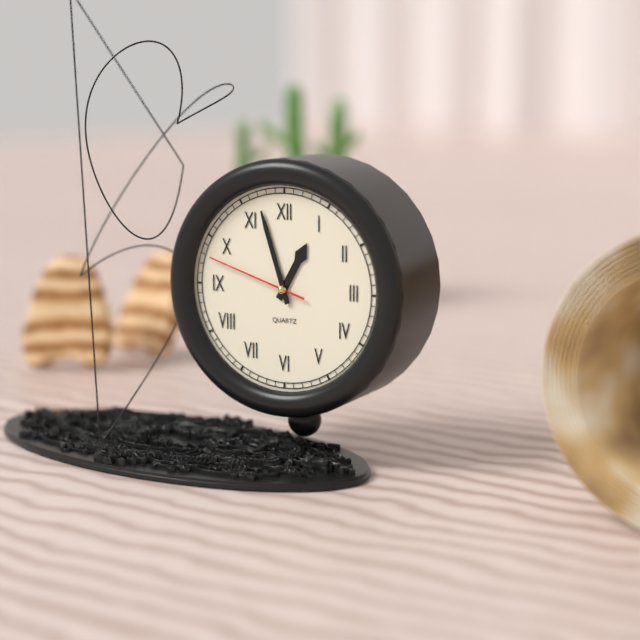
12,57,48
